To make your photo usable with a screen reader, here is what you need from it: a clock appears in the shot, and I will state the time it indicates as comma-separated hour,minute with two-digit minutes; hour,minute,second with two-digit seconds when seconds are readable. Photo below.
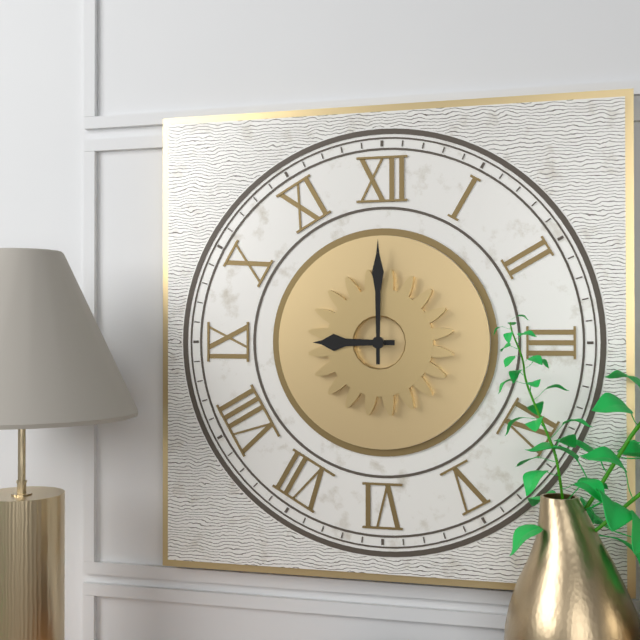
9,00
